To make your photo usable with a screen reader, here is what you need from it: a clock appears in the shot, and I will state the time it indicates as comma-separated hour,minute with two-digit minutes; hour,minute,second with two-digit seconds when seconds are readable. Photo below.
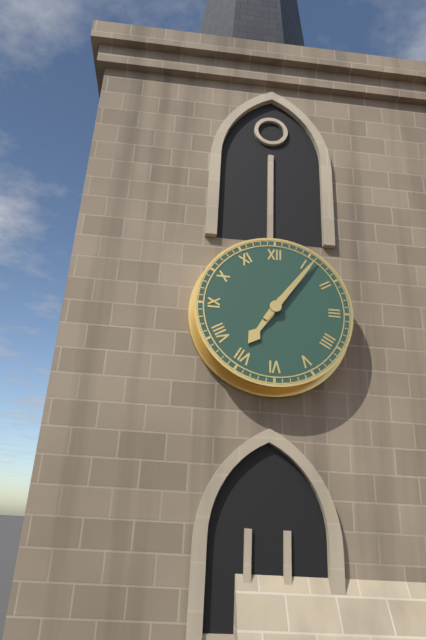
7,06
